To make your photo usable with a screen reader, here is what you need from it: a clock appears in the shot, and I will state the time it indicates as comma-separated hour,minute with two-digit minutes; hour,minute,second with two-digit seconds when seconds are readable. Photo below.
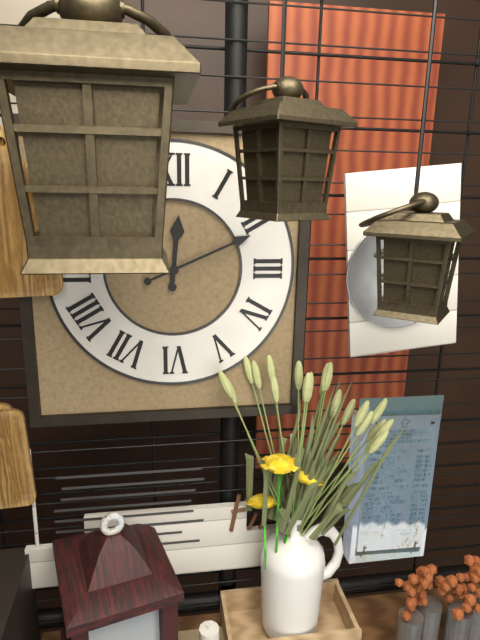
12,11
